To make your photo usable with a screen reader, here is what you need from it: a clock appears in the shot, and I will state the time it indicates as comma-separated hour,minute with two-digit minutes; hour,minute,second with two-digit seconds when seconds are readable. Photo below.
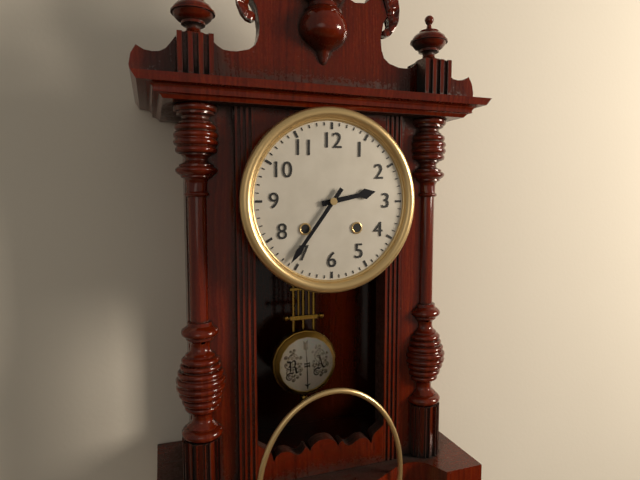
2,36
